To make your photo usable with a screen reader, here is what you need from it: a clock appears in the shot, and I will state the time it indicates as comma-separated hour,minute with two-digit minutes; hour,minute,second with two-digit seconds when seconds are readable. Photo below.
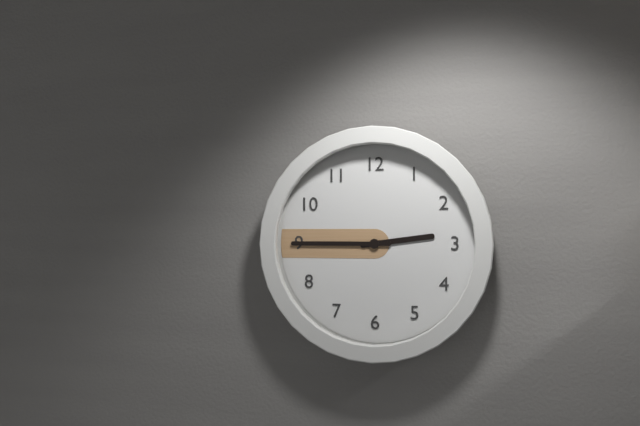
2,45
